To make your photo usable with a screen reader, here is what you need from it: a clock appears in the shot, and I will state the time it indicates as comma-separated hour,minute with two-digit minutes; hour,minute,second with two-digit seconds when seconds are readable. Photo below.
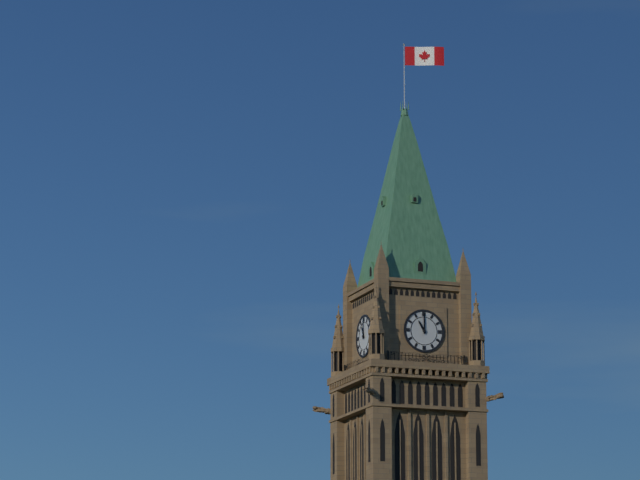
11,00
